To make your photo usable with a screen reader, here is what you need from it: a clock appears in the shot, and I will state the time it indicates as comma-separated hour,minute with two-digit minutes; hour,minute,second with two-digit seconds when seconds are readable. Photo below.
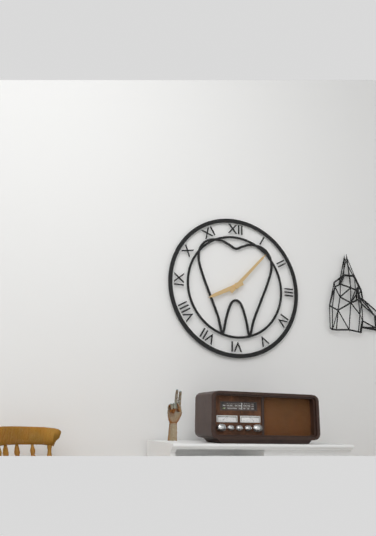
8,07
